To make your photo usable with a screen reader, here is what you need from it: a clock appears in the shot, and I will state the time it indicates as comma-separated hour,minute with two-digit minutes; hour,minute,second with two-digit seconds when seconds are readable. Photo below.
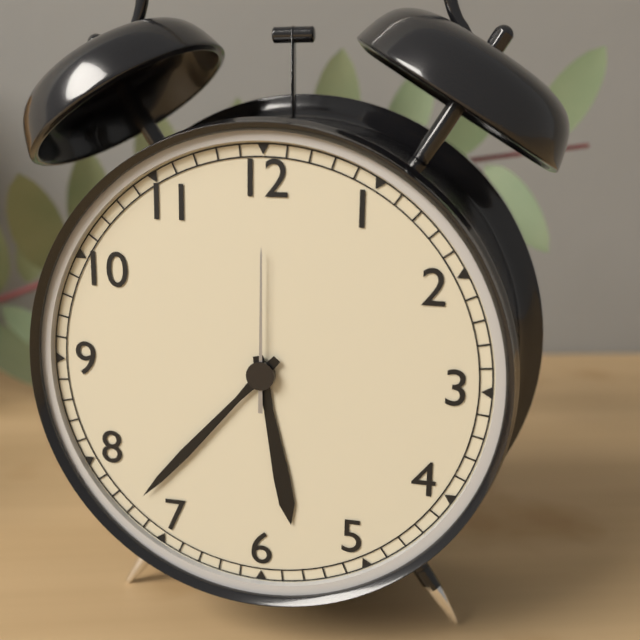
5,37,00
